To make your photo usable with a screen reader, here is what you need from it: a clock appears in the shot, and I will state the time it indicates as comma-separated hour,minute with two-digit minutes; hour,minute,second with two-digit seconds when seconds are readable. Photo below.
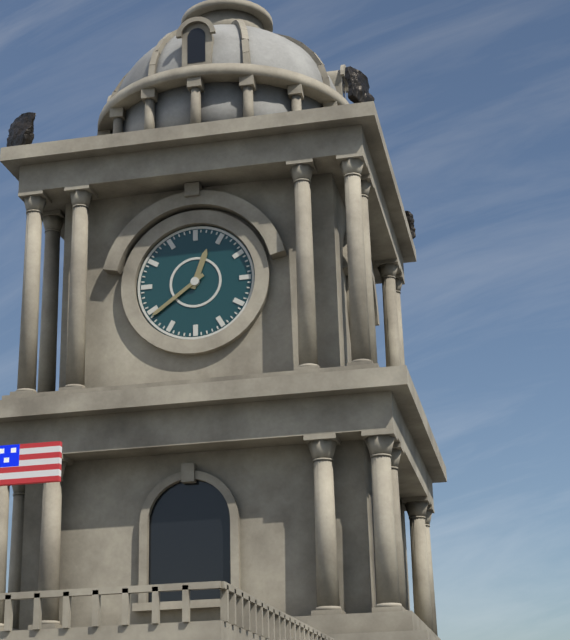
12,39
